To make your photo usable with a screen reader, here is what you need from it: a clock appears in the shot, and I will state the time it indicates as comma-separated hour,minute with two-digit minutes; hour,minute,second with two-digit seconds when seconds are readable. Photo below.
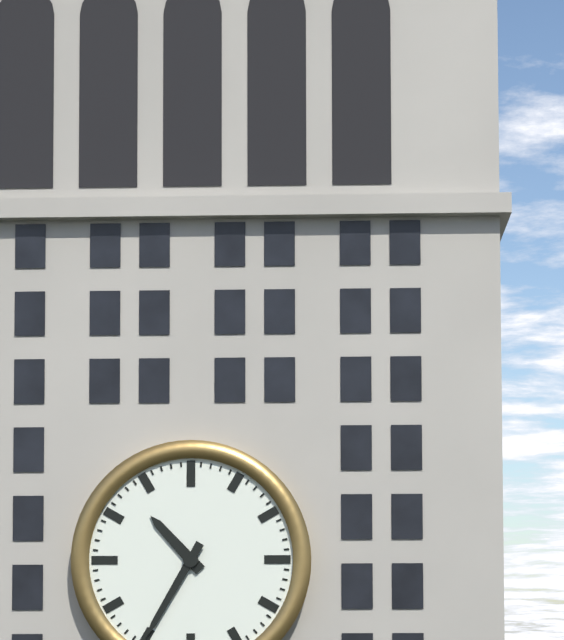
10,35
